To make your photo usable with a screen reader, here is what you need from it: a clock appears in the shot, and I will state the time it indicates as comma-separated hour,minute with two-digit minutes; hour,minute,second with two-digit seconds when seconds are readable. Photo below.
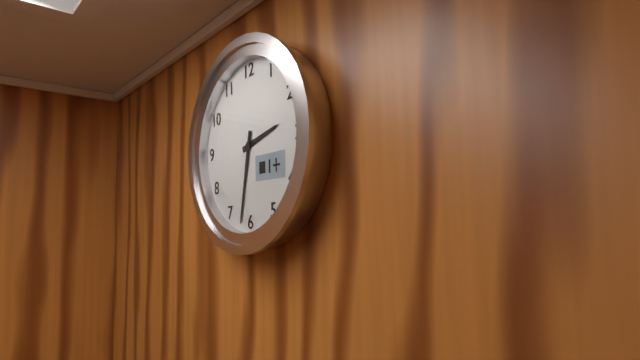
2,32
